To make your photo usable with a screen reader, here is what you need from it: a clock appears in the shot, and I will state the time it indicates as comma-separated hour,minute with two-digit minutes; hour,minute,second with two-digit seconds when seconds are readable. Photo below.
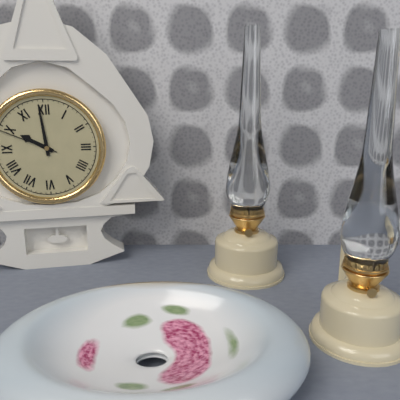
9,59
